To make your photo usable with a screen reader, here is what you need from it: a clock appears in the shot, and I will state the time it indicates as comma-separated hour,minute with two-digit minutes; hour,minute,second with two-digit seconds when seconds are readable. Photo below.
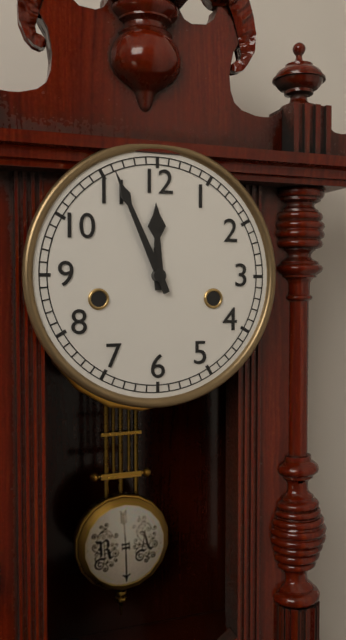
11,56
